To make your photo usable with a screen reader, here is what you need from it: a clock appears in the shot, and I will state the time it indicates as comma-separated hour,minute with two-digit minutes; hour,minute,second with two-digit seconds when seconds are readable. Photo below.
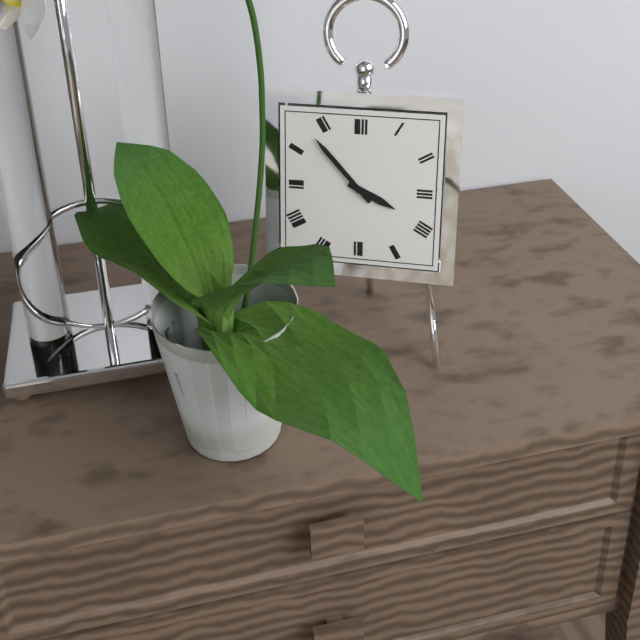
3,53
